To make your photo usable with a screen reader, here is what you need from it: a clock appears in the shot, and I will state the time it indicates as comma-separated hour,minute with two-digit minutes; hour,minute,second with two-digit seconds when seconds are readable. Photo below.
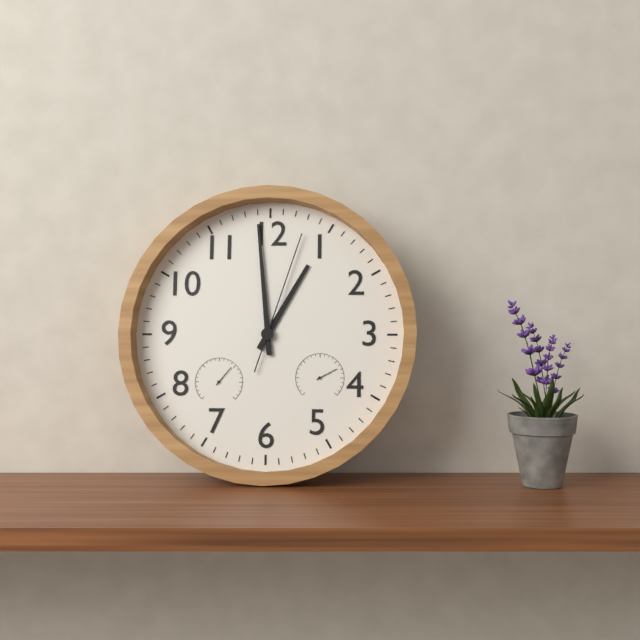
12,59,03
